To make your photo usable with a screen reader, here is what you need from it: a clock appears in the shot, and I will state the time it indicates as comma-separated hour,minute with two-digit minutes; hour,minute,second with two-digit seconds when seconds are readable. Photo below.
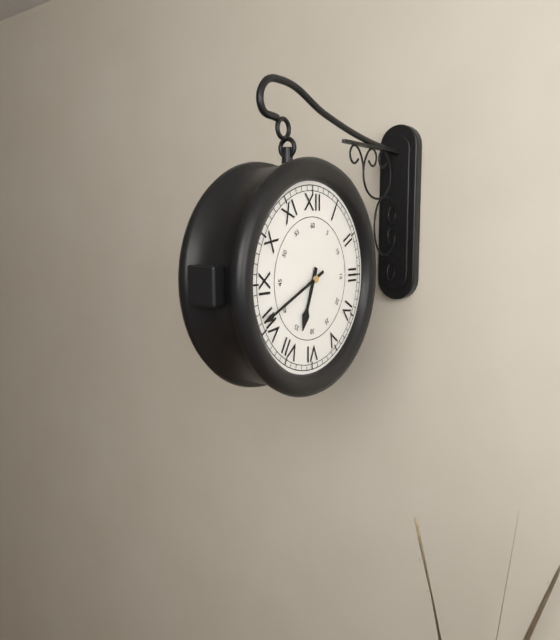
6,41
